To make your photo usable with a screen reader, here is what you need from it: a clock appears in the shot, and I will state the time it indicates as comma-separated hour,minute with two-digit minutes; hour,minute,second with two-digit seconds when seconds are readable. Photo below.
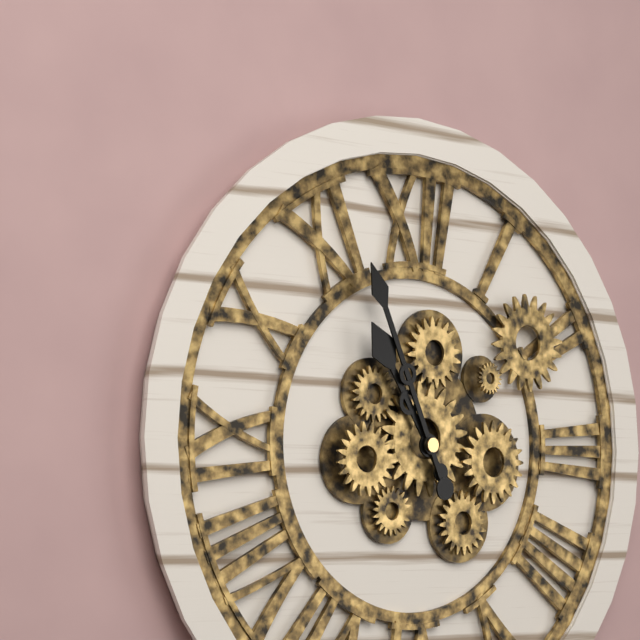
10,56
